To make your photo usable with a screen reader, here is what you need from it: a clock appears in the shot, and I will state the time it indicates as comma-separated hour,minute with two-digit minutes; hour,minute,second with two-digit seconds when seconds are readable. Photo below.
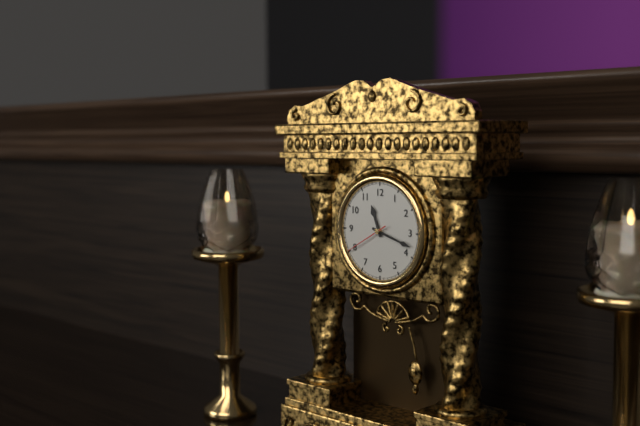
11,18
